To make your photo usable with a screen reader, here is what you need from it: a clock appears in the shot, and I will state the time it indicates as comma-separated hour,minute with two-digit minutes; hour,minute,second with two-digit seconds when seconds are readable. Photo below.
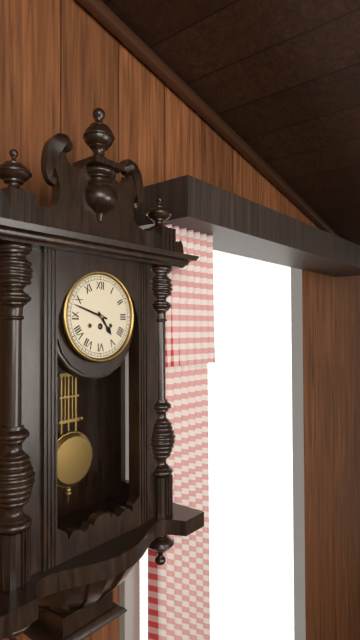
4,48
